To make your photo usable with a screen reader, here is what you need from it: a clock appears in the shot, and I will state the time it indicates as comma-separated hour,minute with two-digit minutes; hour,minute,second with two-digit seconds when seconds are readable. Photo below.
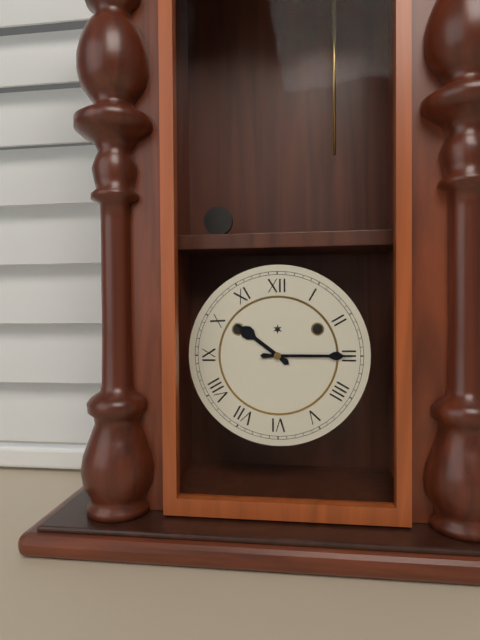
10,15
